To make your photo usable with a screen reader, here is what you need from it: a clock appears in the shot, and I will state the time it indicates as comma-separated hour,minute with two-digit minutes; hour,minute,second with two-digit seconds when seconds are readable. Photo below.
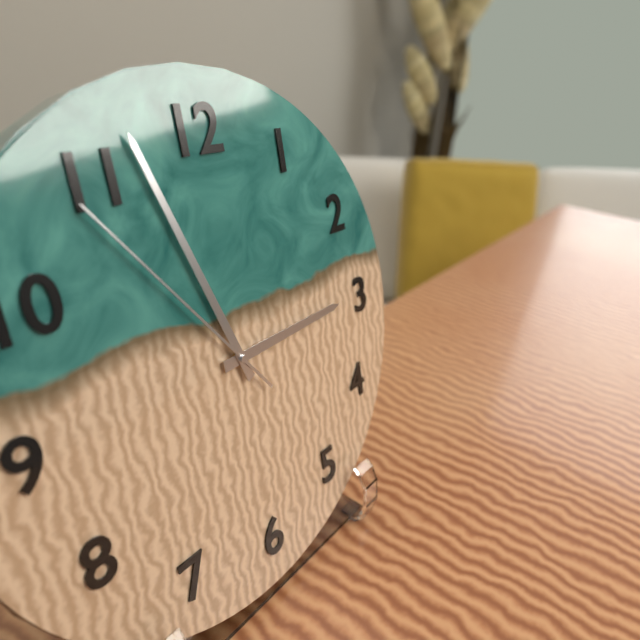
2,57,54
